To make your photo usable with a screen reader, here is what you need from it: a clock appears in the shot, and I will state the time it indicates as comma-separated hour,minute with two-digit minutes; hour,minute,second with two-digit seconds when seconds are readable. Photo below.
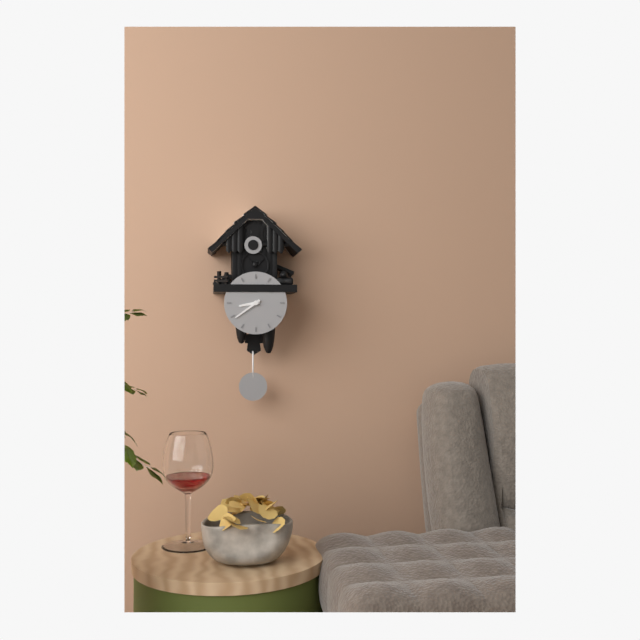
8,39
